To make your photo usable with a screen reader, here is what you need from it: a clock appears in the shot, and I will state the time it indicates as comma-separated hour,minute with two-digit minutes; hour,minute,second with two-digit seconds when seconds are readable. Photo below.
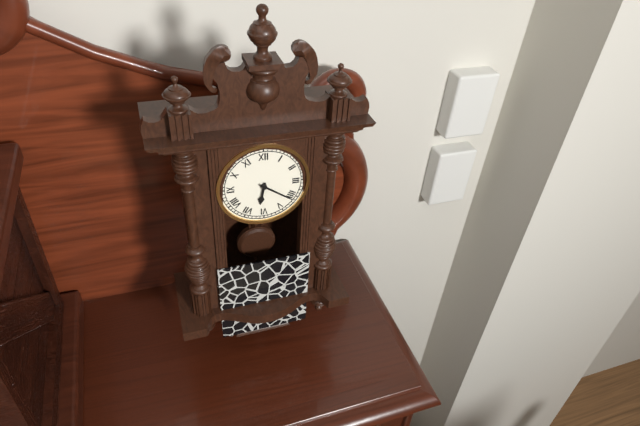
6,21
